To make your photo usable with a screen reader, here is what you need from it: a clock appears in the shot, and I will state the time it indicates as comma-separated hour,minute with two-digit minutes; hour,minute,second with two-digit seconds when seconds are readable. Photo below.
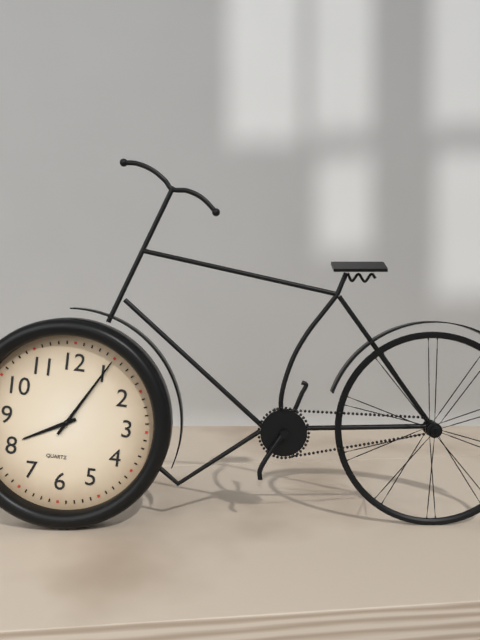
8,05
